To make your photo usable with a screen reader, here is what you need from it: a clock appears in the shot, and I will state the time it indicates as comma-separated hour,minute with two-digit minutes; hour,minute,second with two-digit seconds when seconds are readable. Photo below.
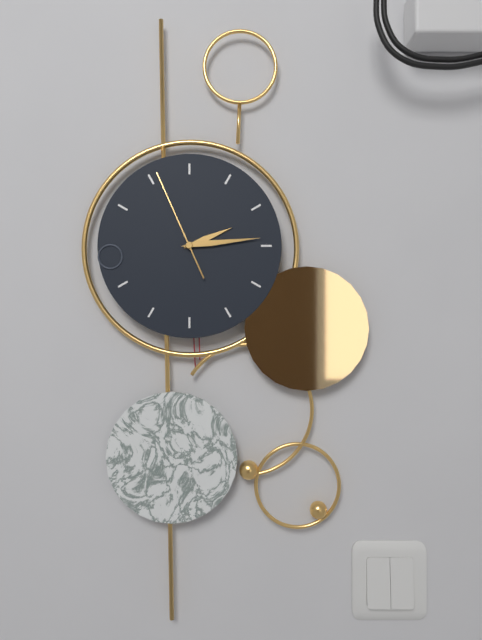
2,14,56
